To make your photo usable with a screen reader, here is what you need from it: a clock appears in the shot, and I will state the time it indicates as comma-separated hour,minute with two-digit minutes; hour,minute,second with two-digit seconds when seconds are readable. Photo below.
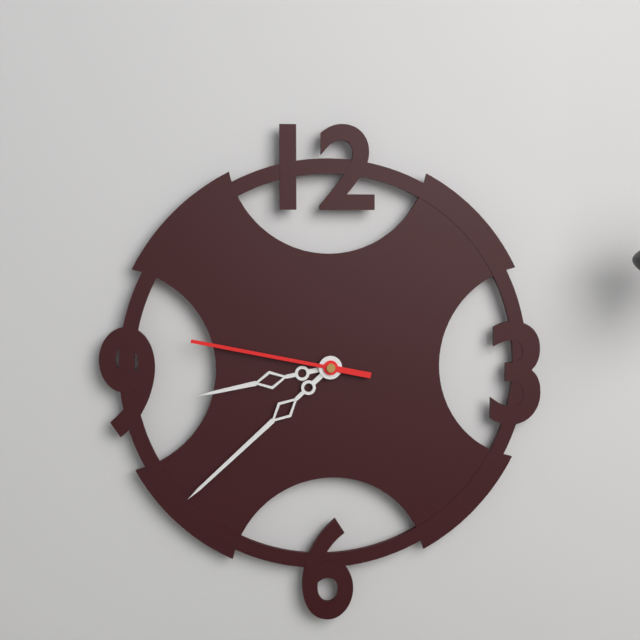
8,38,47
